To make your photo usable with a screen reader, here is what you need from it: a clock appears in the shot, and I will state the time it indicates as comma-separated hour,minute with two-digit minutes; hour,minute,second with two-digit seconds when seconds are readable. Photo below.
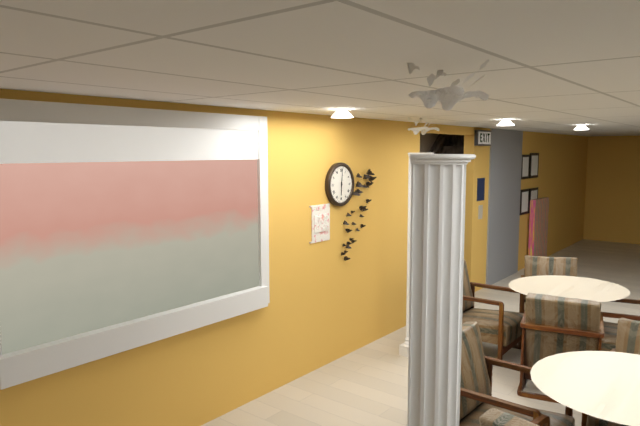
6,01
